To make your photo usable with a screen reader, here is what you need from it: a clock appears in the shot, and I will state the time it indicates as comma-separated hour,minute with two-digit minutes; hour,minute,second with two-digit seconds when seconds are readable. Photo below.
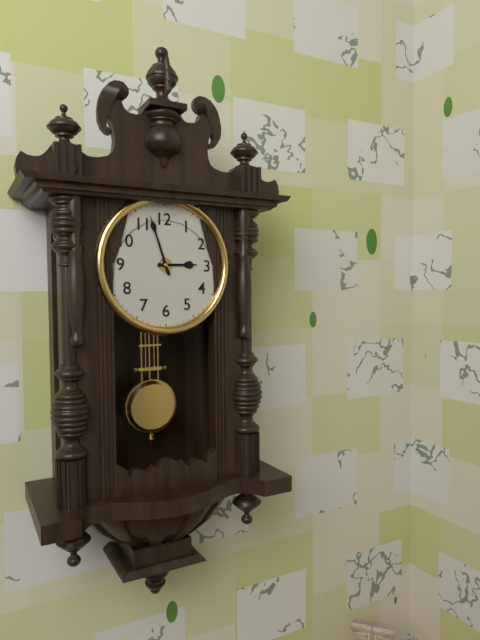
2,57
